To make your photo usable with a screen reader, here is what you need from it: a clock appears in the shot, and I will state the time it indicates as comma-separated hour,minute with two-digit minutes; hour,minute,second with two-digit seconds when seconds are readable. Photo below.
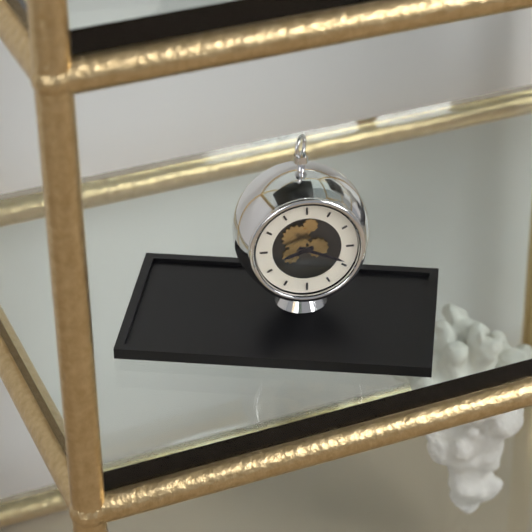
8,19
